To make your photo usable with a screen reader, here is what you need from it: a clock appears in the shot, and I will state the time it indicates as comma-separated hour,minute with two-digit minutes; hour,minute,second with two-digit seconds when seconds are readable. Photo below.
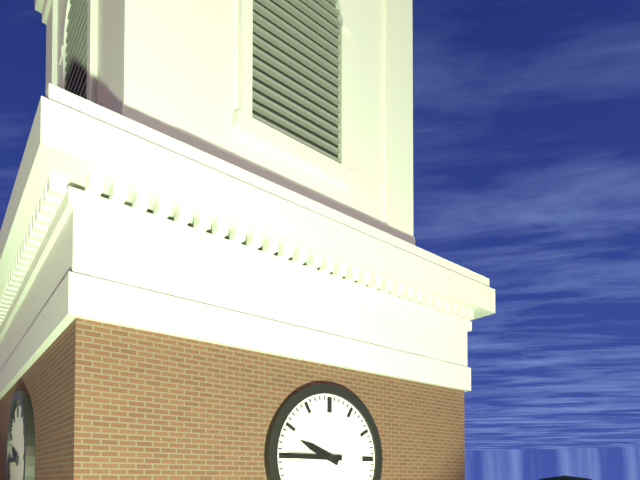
9,45
